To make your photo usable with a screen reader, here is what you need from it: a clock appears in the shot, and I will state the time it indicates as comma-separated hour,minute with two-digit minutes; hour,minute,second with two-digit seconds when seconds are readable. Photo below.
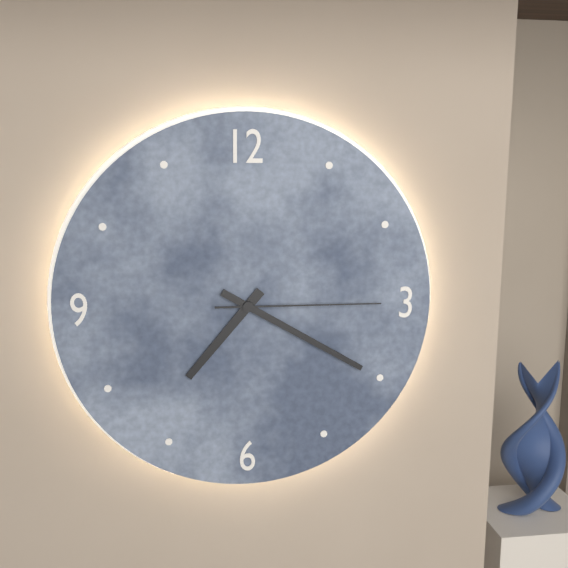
7,20,15
